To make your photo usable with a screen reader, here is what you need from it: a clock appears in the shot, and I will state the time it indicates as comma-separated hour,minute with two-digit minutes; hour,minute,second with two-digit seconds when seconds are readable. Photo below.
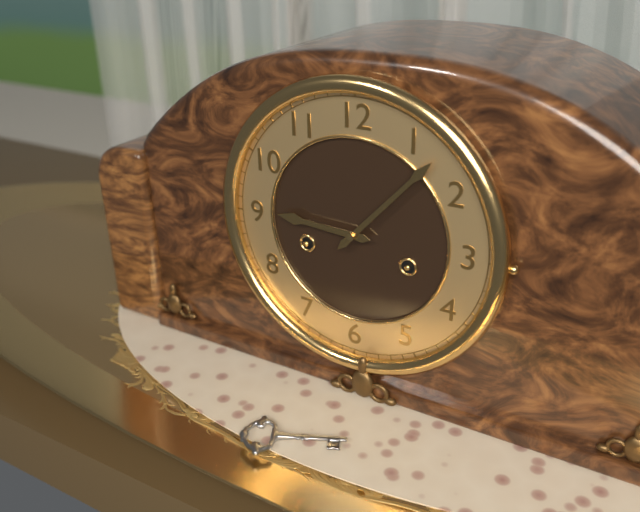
9,07
